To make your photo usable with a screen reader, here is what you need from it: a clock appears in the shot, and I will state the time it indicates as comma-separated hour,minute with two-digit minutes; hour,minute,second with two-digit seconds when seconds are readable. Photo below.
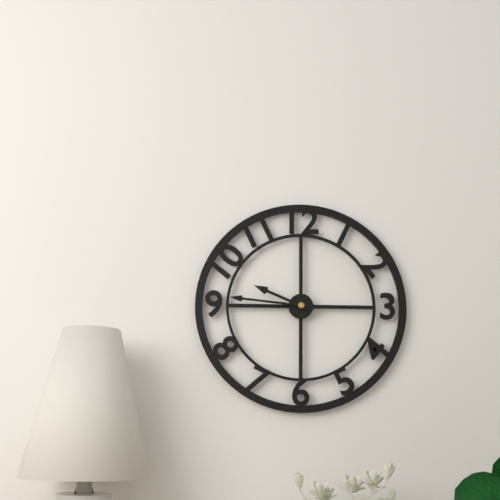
9,46
